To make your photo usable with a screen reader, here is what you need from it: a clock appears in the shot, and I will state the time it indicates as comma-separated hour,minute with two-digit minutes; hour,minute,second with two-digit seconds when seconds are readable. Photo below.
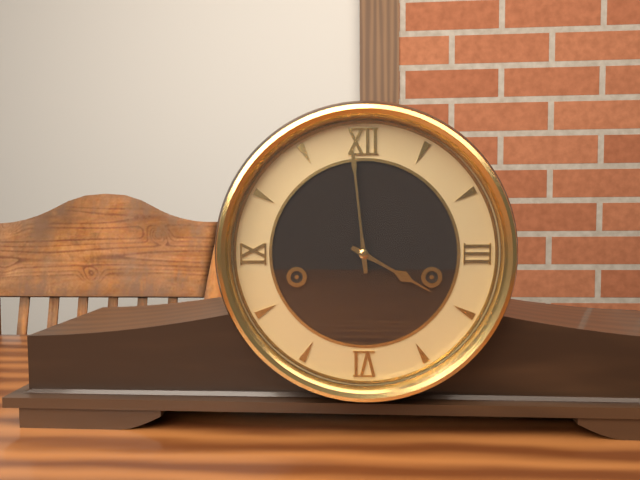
3,59
